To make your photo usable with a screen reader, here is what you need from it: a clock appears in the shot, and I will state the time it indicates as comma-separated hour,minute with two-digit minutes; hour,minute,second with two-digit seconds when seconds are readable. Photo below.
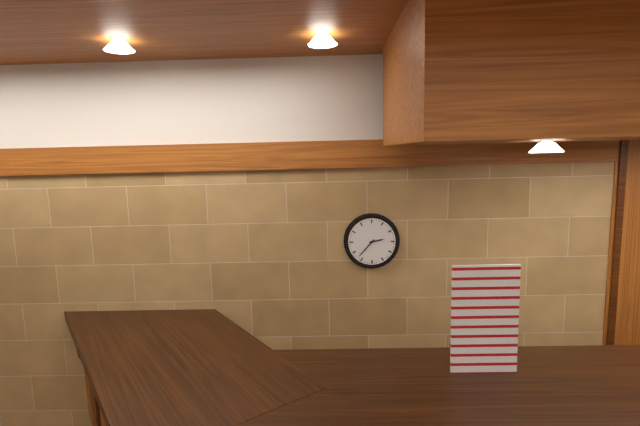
2,37
